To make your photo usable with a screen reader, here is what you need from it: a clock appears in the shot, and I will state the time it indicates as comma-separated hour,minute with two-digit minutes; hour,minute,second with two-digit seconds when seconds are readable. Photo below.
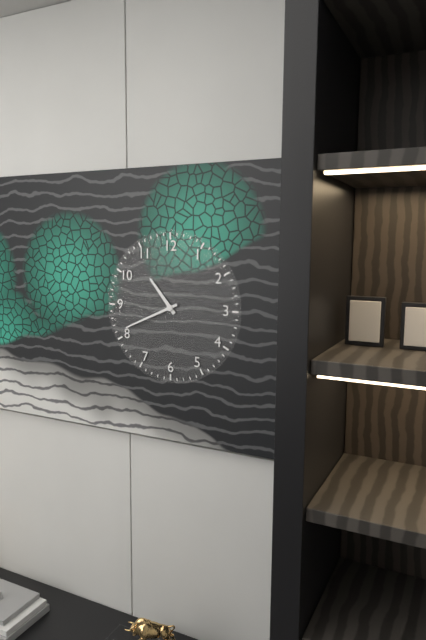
10,41
